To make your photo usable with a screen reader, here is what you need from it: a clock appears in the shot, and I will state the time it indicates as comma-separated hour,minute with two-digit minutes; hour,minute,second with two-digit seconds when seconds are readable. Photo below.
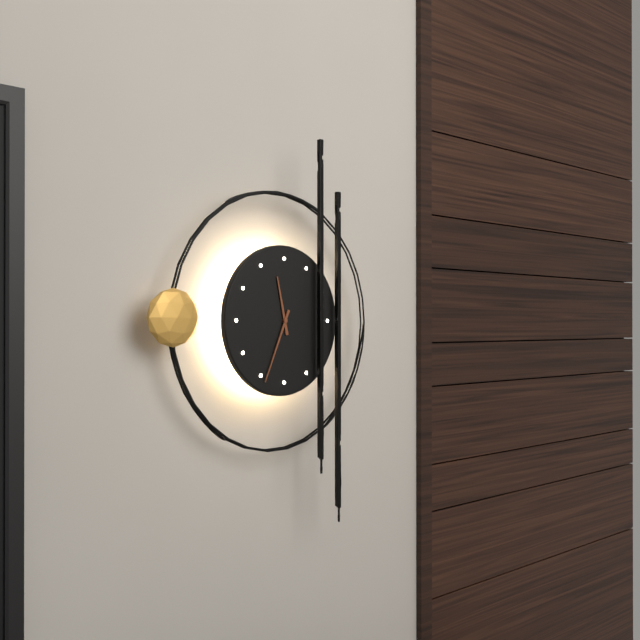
11,34
